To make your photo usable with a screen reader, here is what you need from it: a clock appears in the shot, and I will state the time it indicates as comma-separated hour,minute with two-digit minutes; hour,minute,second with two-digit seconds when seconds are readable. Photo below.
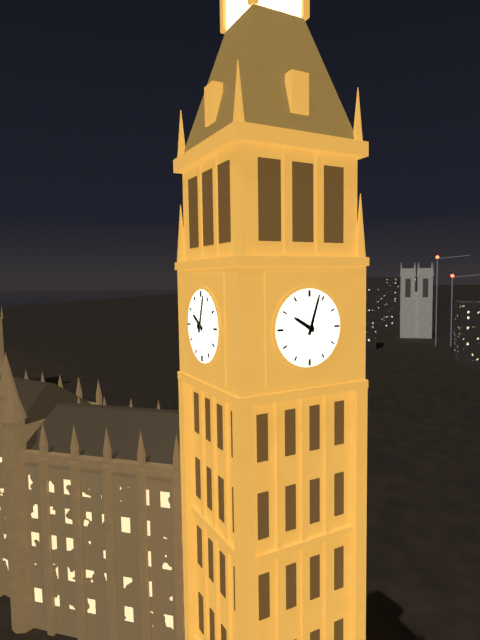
10,03
